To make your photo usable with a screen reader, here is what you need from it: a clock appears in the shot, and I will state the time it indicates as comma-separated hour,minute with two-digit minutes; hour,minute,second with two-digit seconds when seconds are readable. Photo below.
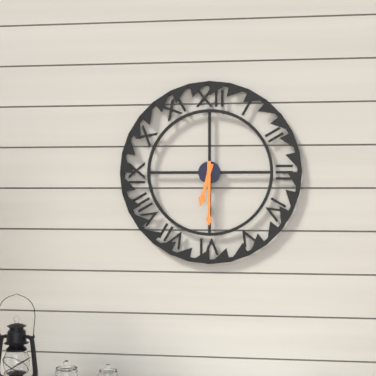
6,30
